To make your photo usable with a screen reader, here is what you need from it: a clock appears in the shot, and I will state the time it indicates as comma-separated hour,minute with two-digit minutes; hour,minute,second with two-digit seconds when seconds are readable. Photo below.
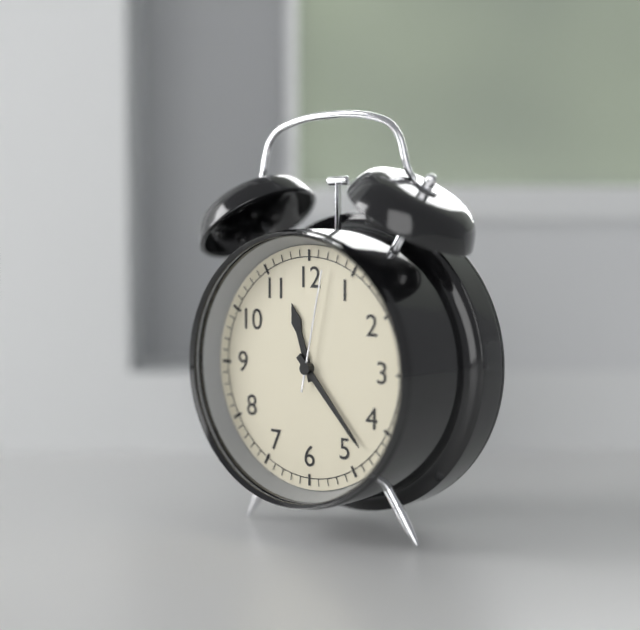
11,23,02
